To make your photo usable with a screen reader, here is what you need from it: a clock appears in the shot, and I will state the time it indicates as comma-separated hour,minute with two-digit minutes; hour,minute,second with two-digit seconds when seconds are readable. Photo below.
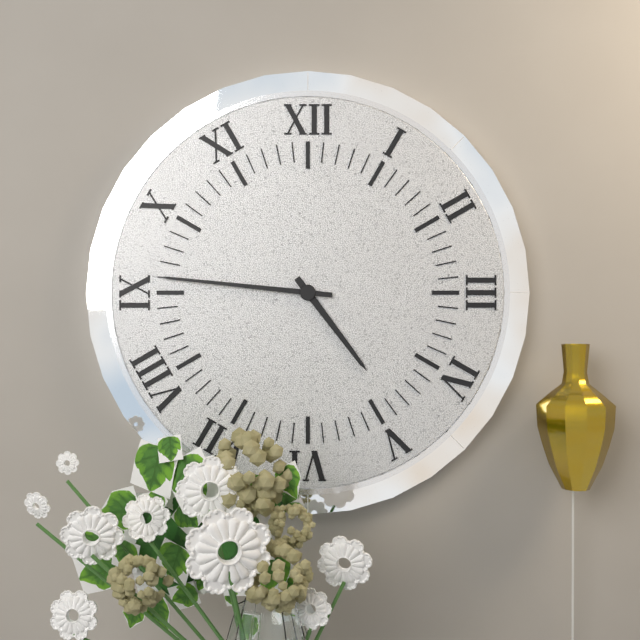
4,46
